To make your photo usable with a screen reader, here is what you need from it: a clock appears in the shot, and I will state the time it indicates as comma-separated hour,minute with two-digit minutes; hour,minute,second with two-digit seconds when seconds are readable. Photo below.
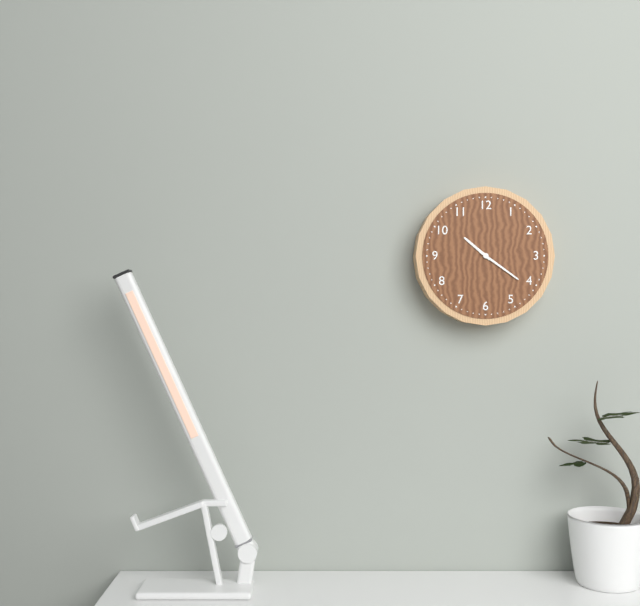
10,21
